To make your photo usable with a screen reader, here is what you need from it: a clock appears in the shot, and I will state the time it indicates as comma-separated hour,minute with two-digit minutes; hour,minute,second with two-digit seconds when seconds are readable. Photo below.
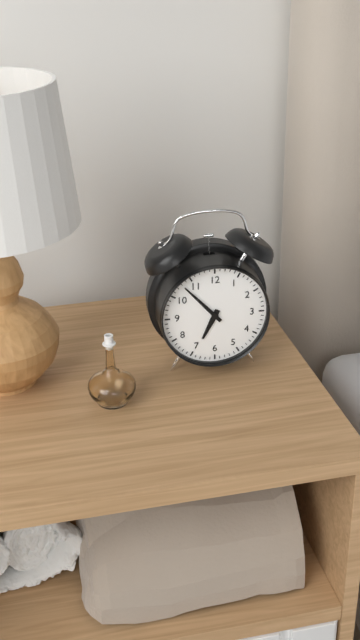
6,53
